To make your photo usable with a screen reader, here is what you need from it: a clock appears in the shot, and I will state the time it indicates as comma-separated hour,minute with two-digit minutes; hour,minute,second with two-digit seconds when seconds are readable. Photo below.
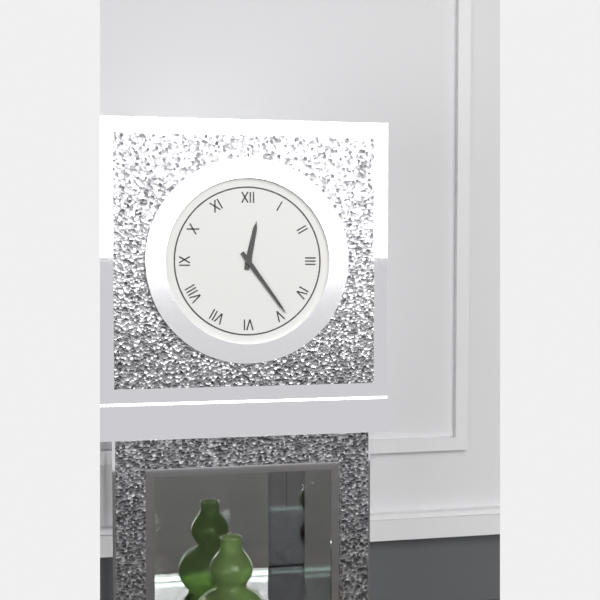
12,24
